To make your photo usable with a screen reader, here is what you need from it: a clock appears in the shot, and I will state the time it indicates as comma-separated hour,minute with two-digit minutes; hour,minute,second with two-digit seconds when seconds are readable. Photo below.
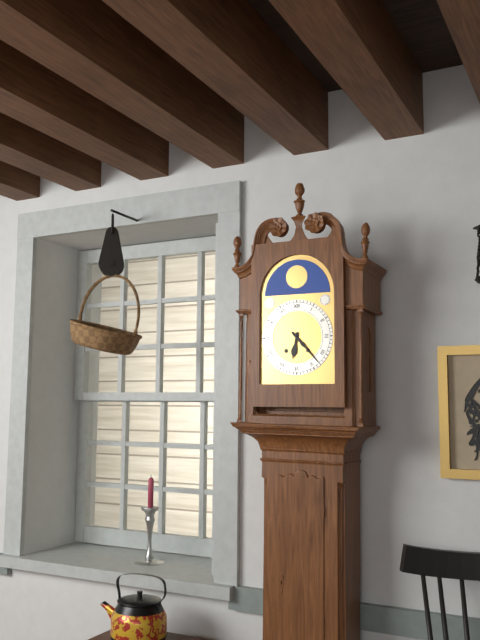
6,23
